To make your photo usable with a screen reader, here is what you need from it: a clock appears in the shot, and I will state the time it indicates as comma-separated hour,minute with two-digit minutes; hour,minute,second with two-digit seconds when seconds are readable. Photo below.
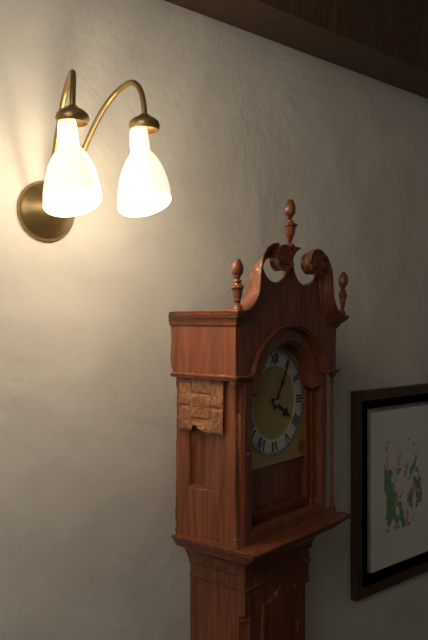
4,05
